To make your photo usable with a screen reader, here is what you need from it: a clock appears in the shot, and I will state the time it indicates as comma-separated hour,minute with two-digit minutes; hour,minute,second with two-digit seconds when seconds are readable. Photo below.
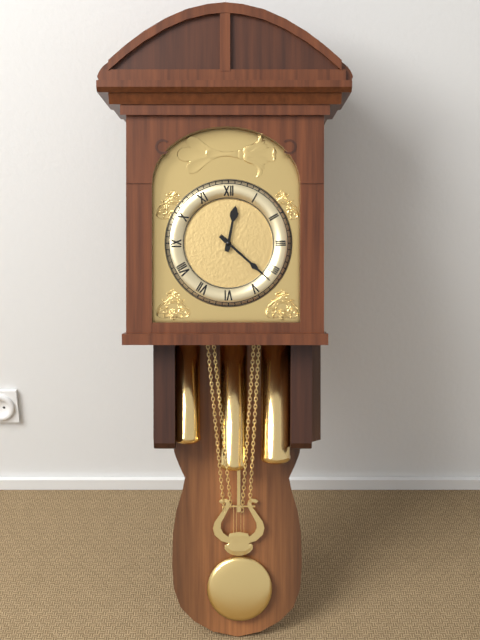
12,22
